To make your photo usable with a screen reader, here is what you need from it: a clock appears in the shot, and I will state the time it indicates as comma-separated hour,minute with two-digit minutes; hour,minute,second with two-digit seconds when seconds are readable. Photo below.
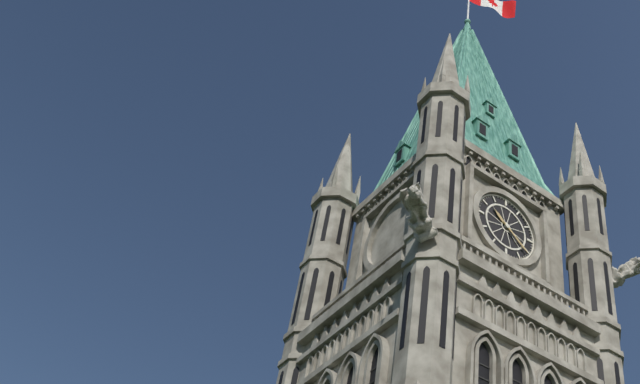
10,21
